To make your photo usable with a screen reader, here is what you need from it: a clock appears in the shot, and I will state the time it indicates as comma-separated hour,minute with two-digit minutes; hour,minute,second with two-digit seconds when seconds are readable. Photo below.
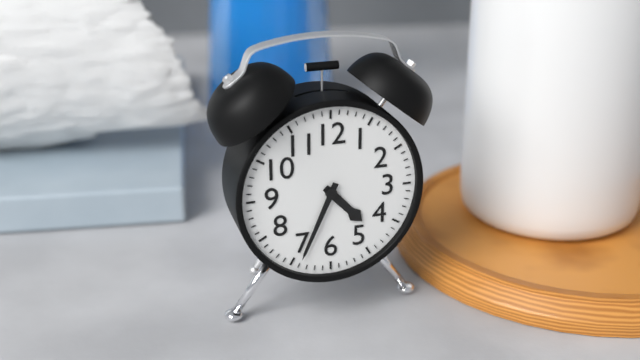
4,34
